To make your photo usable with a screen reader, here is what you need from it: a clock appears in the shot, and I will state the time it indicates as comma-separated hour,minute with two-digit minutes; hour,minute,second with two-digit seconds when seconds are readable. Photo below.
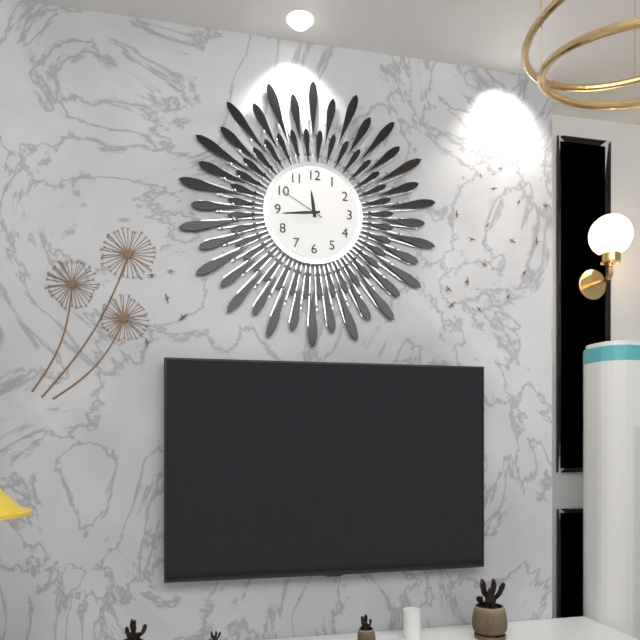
11,44
